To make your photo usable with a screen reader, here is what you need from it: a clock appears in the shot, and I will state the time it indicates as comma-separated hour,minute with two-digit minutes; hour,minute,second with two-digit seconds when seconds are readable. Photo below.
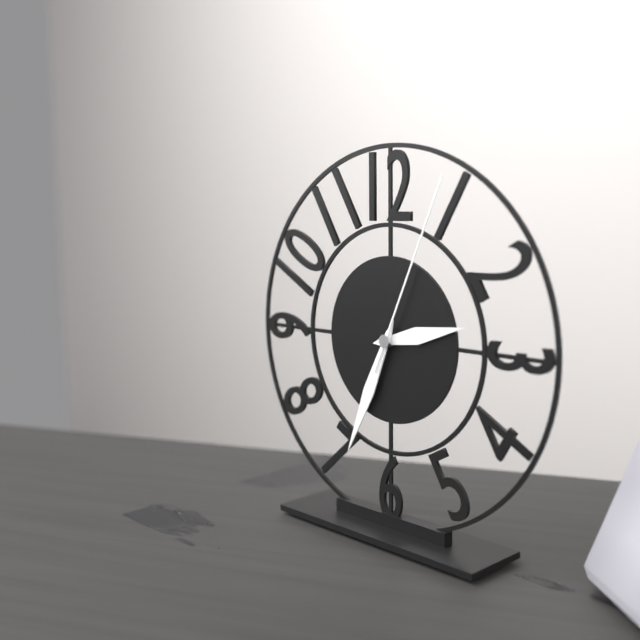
2,34,04
